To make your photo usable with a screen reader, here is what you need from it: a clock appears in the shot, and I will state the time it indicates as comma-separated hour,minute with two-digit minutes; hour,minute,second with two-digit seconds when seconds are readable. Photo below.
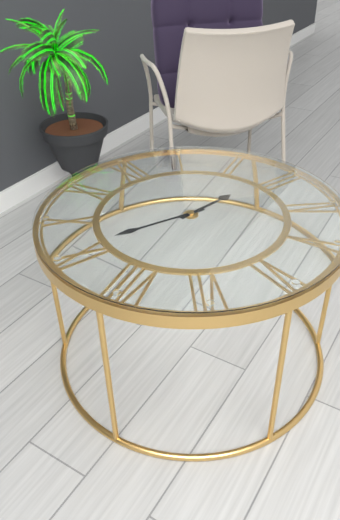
2,46
